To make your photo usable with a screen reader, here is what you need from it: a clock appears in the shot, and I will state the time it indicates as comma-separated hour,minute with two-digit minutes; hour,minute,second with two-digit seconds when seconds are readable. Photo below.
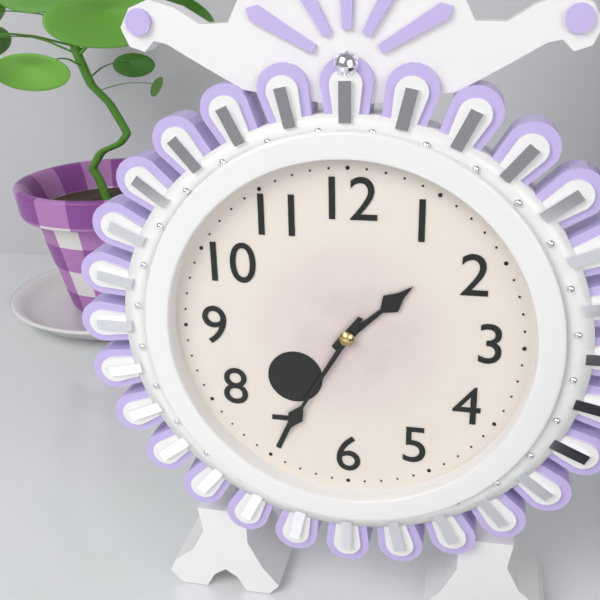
1,35
